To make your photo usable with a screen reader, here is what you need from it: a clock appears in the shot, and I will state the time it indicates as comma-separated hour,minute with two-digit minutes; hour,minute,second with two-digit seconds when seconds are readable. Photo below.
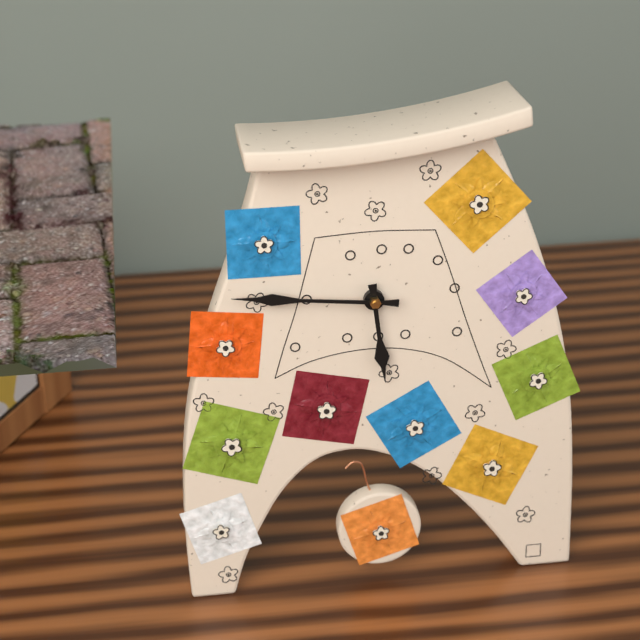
5,46
